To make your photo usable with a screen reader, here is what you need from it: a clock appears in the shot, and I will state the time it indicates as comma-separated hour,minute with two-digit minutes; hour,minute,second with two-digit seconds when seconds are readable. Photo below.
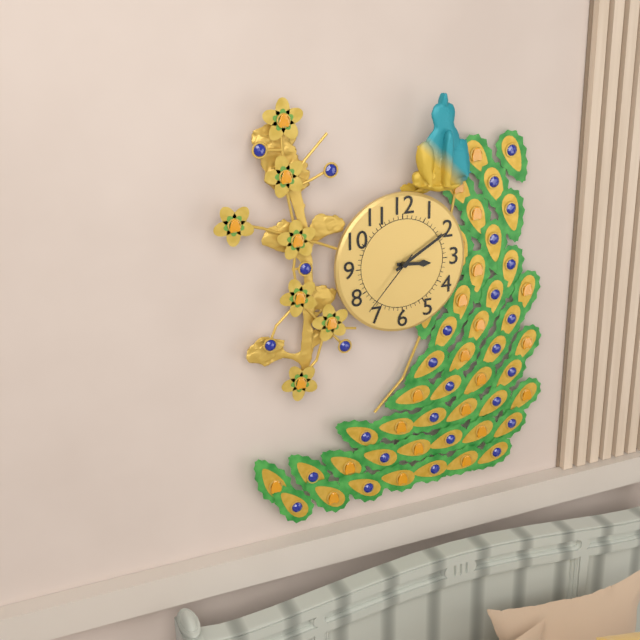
3,10,37
